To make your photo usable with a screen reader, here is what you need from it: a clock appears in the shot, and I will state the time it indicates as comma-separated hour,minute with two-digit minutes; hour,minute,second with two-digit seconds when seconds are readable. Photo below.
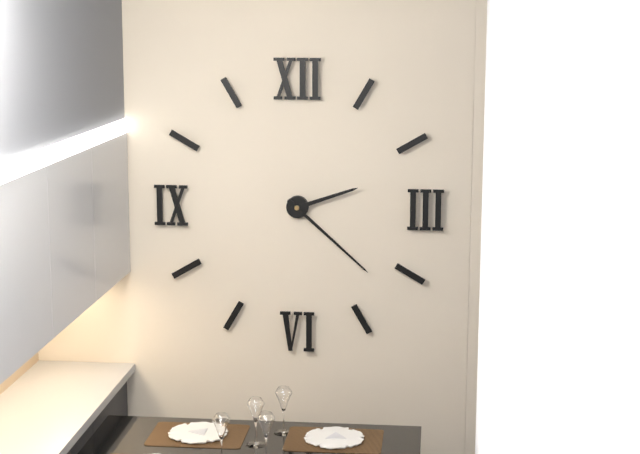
2,22
